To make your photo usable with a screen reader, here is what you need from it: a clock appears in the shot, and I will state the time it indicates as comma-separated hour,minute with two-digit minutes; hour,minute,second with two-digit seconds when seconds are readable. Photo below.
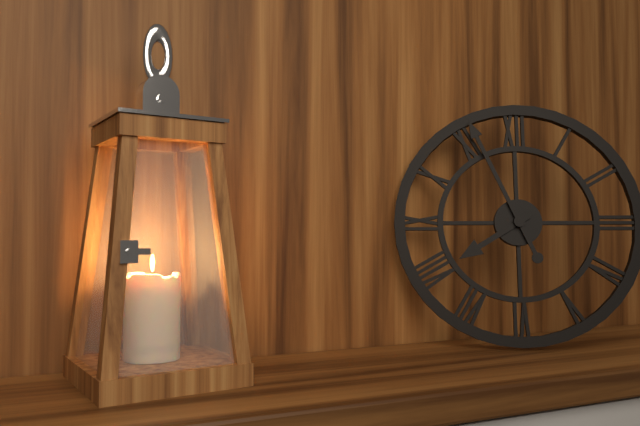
7,56
